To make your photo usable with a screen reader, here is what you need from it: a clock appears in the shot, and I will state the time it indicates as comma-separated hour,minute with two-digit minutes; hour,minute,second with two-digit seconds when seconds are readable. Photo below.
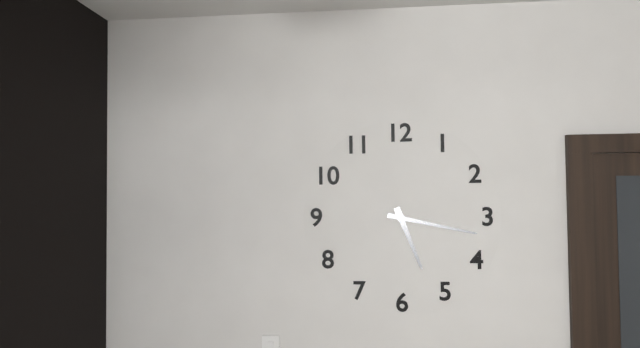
5,17
